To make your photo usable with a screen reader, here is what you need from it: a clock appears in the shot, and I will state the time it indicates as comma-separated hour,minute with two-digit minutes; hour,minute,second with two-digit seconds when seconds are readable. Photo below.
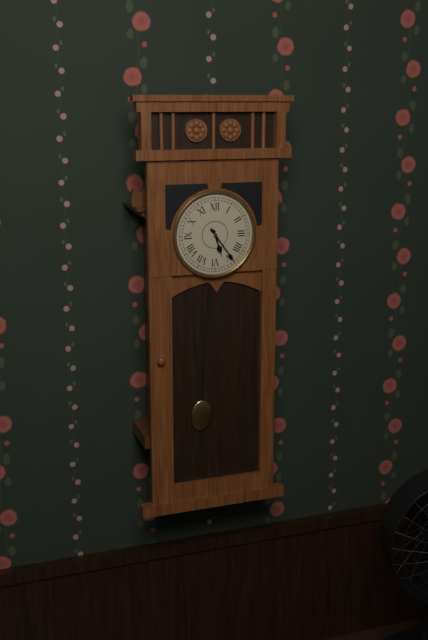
5,24
